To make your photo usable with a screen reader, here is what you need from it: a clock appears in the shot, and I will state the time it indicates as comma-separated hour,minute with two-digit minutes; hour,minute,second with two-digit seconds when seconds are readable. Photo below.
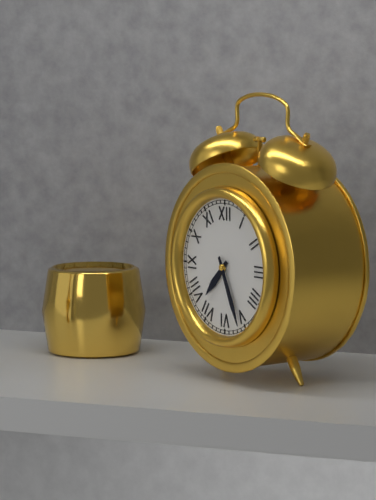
7,26
